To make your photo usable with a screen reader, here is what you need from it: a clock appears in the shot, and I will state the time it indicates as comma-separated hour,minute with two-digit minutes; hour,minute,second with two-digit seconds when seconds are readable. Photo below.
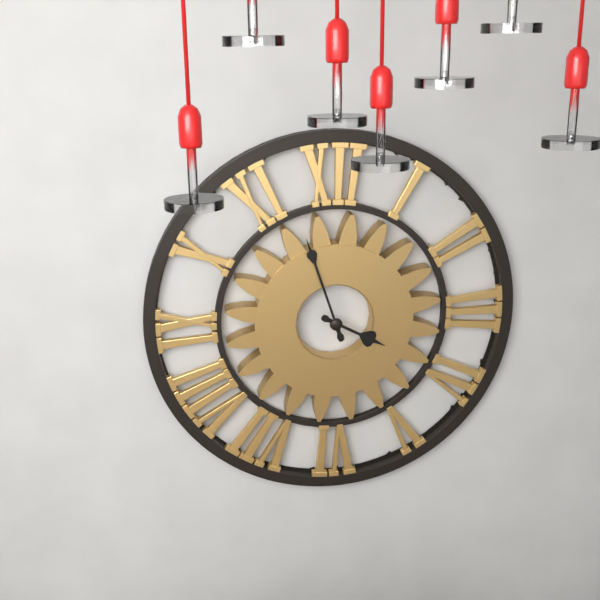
3,57
